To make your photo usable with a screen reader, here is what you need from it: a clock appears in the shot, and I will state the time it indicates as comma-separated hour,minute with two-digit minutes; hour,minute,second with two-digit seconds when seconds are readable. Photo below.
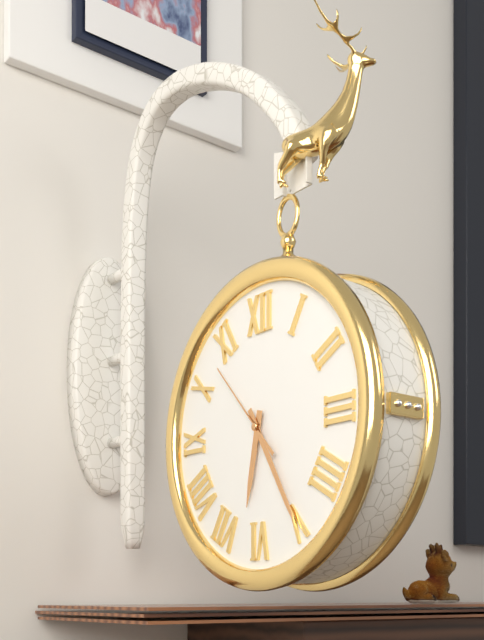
6,25,53
